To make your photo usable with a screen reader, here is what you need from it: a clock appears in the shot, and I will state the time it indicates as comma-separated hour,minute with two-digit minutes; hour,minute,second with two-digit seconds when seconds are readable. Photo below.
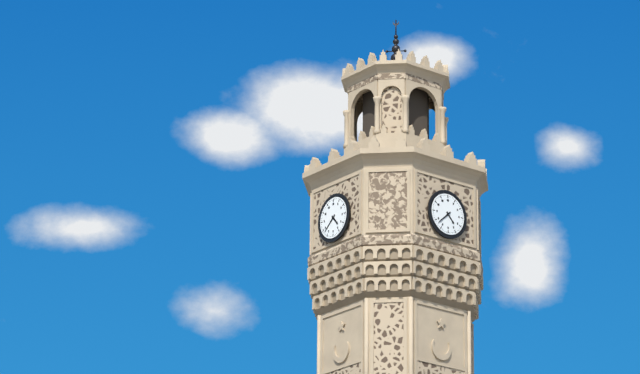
4,38
